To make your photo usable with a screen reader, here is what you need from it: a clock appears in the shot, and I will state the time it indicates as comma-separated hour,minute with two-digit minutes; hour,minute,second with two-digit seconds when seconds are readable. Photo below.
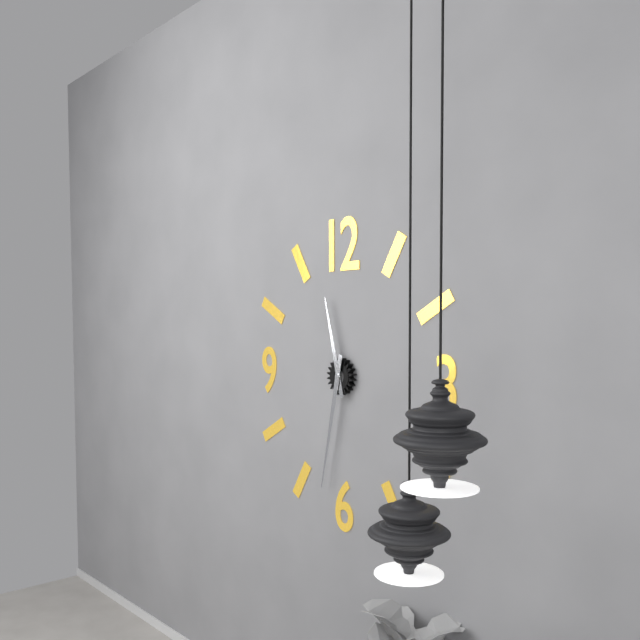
11,32
